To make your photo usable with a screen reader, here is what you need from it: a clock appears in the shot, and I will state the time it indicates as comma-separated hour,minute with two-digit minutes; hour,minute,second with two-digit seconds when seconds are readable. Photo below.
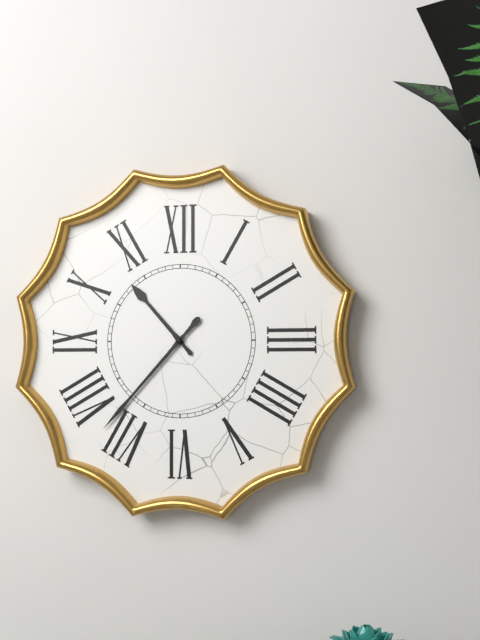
10,37
